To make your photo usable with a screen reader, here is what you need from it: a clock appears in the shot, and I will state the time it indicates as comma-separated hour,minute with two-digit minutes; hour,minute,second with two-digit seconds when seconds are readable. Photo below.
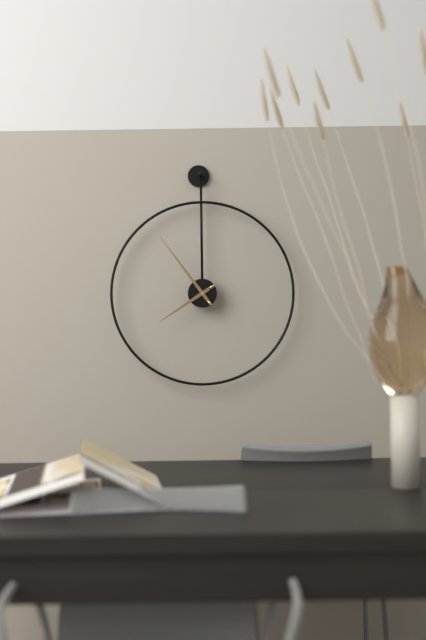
7,54
